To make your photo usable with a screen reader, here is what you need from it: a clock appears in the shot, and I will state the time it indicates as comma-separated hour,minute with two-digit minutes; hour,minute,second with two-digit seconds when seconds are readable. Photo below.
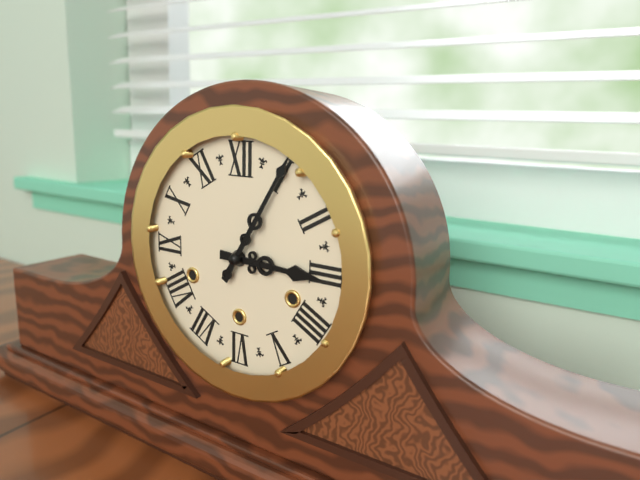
3,05
